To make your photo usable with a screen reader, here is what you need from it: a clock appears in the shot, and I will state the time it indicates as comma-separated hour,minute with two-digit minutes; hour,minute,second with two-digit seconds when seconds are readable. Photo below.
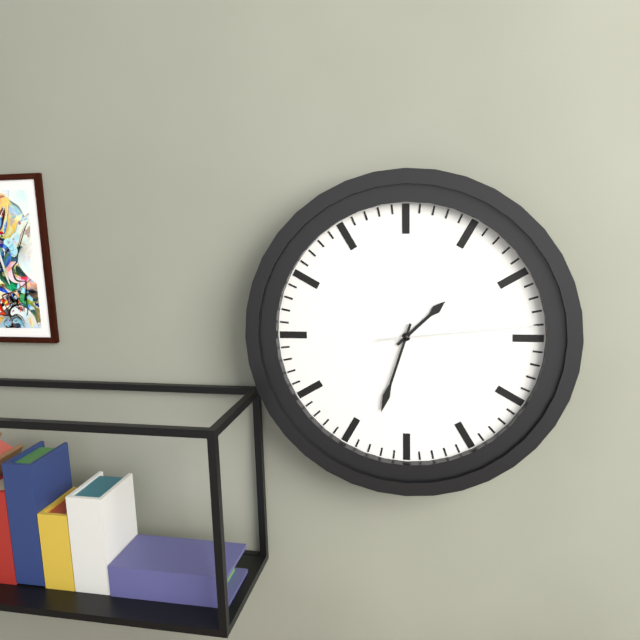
1,33,14
